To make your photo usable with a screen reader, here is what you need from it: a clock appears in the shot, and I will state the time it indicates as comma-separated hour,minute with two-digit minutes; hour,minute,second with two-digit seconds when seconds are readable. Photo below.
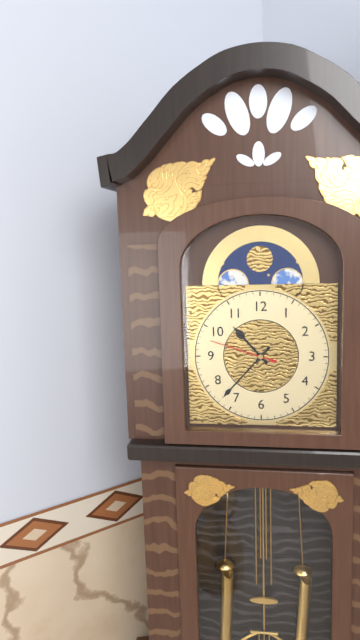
10,37,48
